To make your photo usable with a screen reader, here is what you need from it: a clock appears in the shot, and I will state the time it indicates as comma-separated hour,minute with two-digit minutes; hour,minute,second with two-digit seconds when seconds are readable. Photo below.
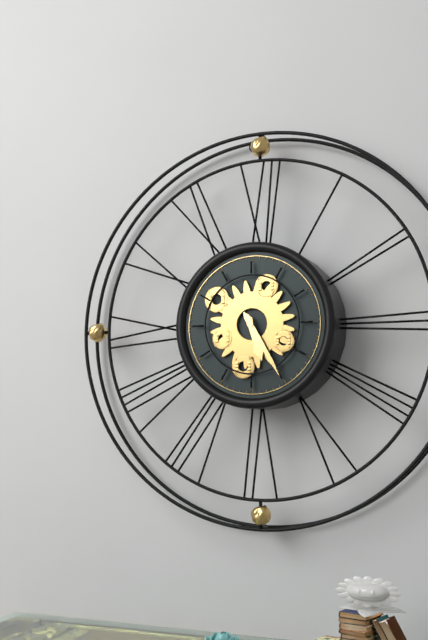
5,25
